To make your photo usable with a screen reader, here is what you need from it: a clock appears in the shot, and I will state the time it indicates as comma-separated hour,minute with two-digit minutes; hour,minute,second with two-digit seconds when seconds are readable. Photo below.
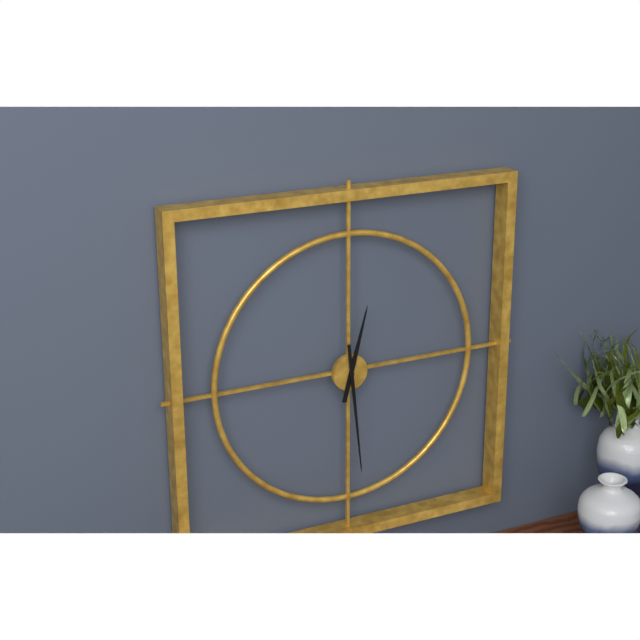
12,29
